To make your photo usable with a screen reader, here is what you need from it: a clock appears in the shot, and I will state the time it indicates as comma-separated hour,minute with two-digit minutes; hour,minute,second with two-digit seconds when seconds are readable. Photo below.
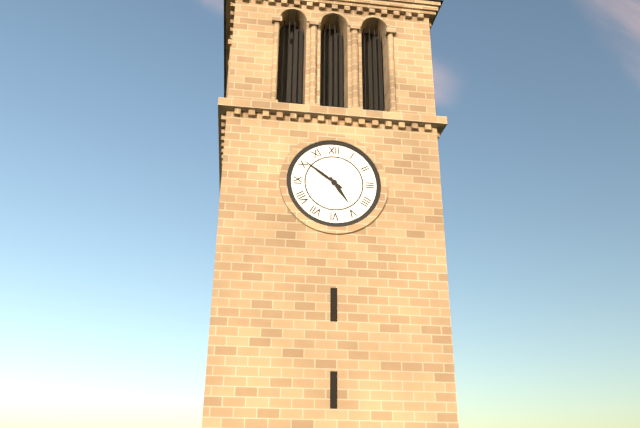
4,51
